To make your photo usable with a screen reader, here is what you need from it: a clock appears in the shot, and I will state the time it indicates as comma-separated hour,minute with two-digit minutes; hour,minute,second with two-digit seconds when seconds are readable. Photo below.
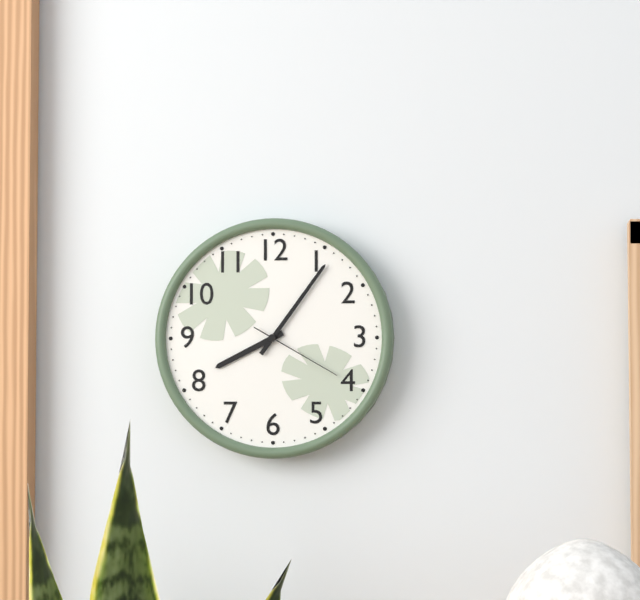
8,06,20
